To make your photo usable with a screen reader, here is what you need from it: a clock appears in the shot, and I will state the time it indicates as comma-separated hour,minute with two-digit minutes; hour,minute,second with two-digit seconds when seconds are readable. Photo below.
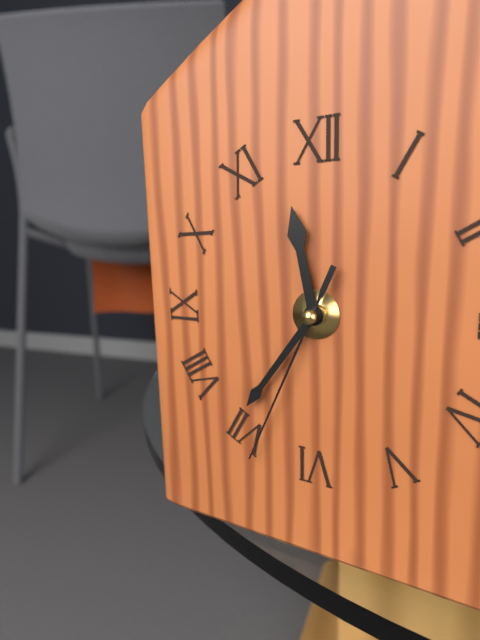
11,36,34
